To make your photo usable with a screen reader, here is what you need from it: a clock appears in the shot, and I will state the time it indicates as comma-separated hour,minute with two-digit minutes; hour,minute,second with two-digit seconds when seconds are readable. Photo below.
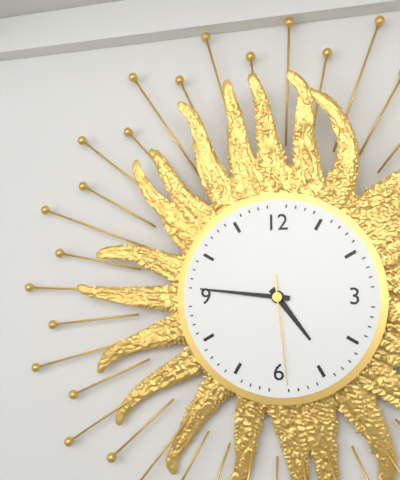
4,46,29
